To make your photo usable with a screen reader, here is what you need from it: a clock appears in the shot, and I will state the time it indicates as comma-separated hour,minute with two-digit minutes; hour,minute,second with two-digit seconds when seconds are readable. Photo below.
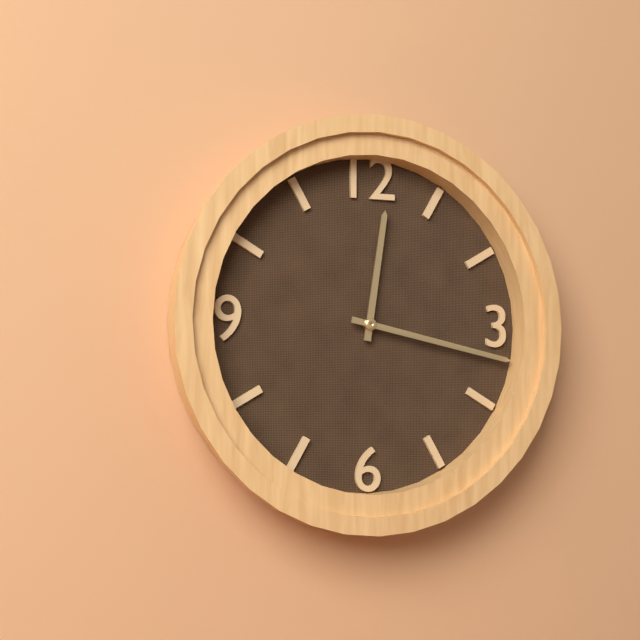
12,17
